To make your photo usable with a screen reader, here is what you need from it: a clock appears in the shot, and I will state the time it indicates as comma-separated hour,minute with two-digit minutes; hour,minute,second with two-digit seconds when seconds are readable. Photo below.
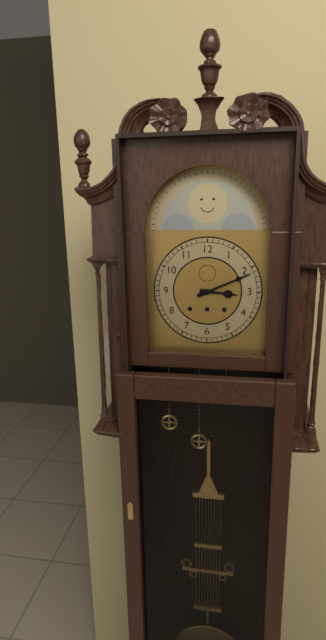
3,11
